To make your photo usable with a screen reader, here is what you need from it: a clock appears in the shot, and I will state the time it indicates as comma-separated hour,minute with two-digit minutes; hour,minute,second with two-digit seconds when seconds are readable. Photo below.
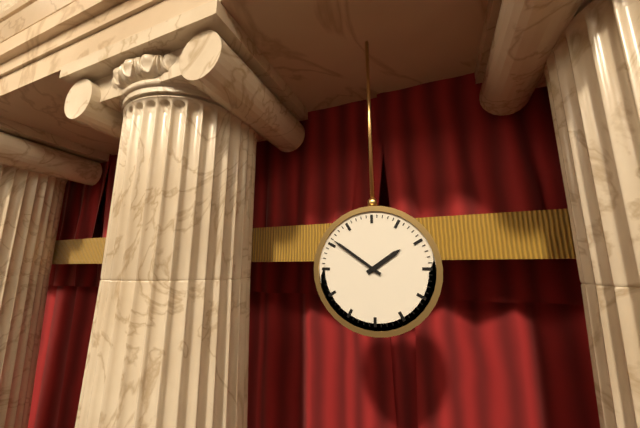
1,51
